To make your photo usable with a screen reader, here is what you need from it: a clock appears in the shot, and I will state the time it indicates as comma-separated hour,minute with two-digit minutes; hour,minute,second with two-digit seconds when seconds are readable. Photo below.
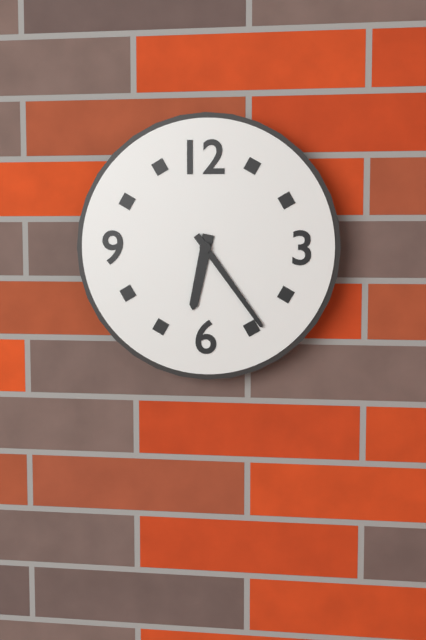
6,24
